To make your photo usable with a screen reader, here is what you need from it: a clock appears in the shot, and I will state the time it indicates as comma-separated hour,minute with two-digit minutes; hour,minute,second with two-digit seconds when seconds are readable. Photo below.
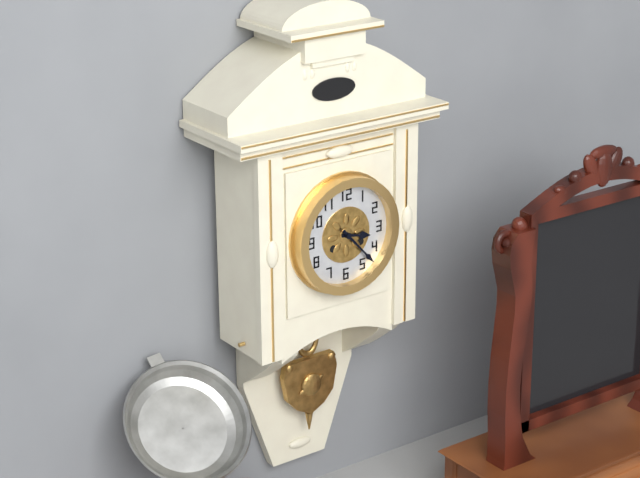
3,23
